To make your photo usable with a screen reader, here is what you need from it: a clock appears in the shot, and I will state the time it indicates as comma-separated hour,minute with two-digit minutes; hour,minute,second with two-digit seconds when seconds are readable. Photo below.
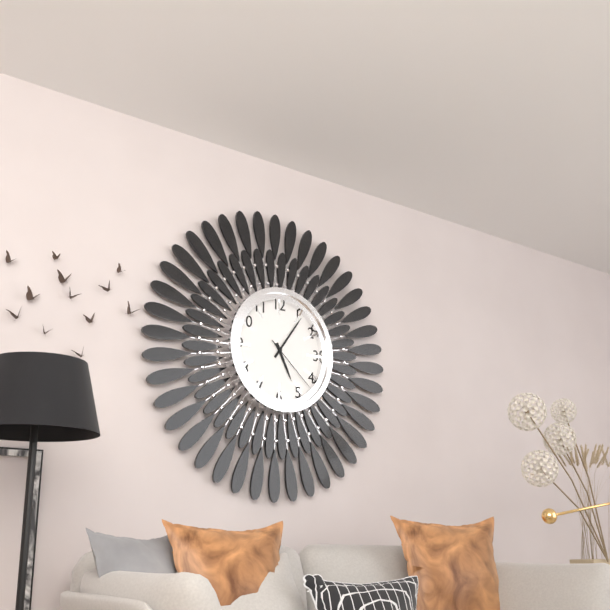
5,06,22
